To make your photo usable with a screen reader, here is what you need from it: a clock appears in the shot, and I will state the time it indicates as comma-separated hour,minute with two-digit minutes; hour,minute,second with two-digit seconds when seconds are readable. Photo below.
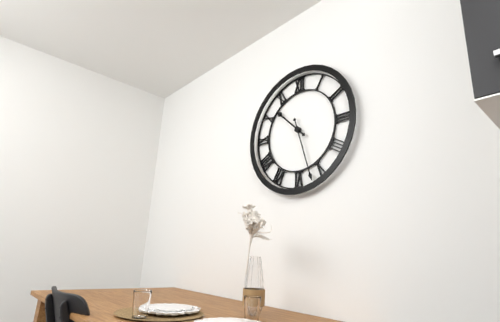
10,27
